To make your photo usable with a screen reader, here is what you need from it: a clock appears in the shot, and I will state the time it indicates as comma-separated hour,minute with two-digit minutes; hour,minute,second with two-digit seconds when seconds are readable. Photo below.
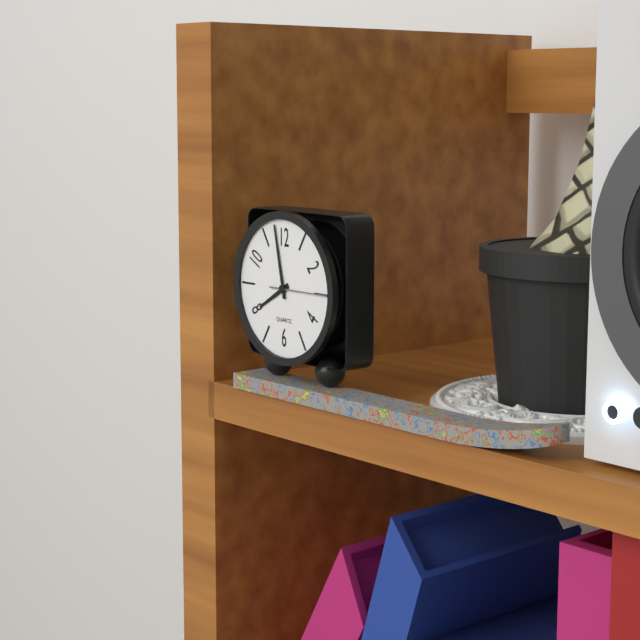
7,58
